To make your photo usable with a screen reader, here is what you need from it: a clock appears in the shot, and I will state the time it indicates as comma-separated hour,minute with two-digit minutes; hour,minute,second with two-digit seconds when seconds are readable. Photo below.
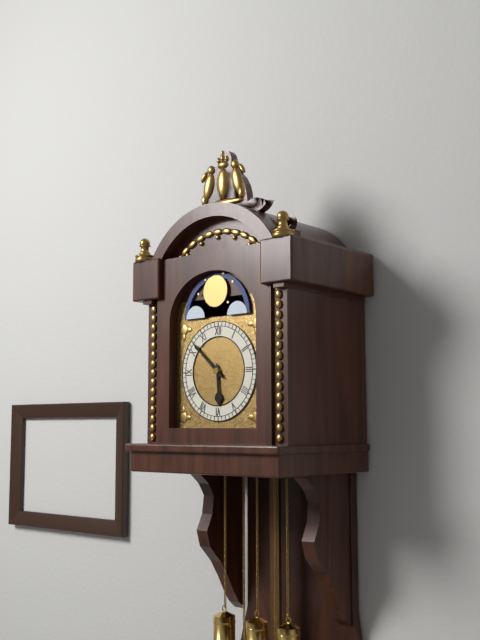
5,52
